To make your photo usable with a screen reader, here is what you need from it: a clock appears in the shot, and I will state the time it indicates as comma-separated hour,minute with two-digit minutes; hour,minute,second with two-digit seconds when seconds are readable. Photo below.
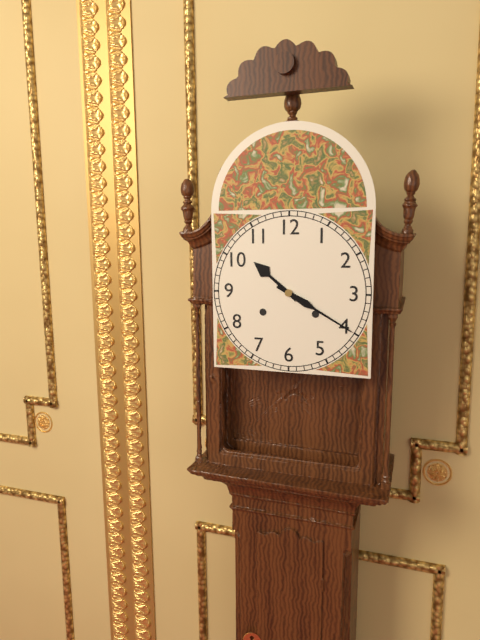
10,20
